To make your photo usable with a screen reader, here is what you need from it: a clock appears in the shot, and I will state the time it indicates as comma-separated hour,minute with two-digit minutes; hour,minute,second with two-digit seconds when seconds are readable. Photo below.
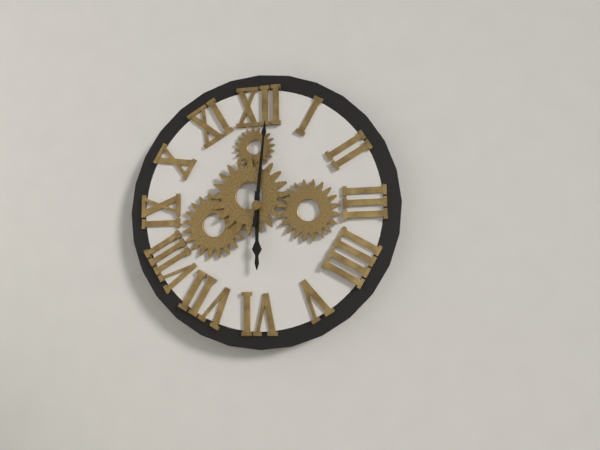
6,01
